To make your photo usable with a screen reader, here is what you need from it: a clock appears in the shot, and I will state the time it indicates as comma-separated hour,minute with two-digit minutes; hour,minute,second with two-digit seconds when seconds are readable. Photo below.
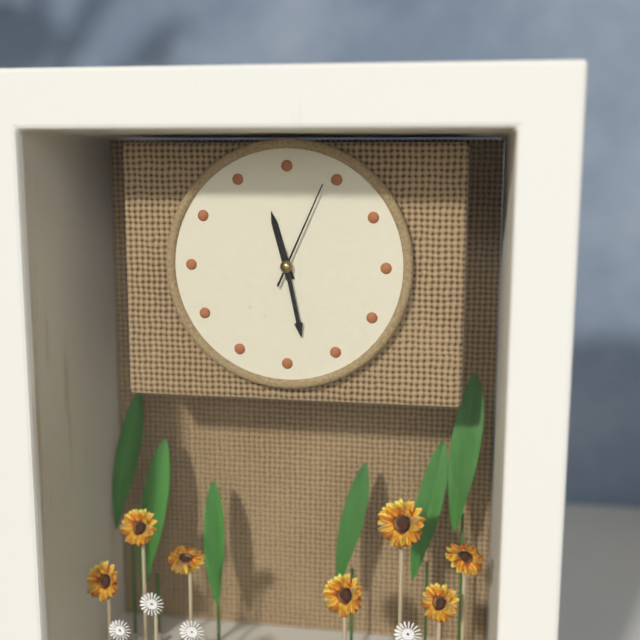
11,28,04
